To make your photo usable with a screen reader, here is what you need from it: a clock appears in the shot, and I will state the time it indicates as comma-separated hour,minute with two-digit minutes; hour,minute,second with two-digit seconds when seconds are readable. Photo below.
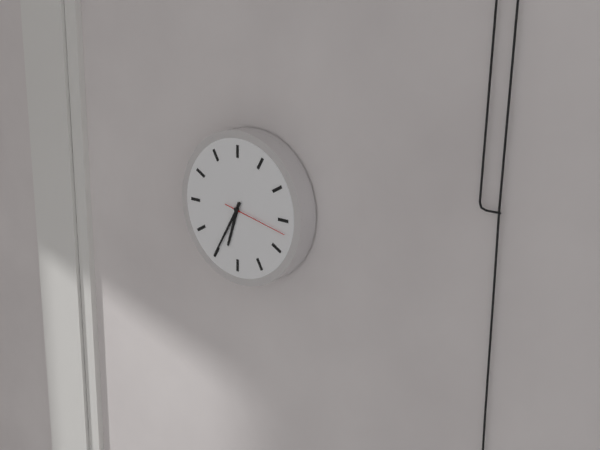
6,35,17
